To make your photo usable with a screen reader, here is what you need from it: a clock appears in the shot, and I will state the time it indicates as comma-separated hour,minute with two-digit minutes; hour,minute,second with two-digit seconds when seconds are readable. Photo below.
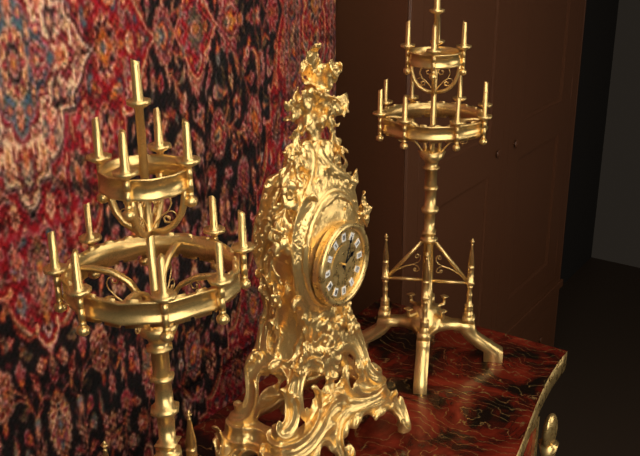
2,04
